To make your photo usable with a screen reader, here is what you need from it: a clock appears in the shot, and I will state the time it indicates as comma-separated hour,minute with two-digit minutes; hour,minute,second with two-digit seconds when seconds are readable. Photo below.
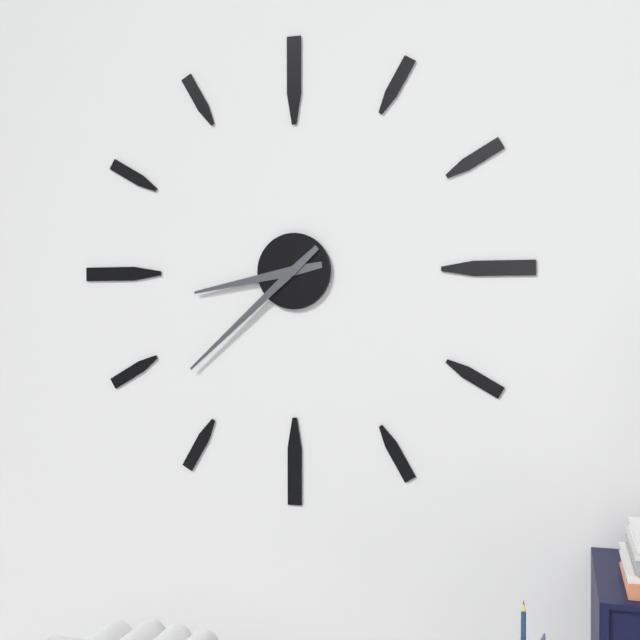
8,38
